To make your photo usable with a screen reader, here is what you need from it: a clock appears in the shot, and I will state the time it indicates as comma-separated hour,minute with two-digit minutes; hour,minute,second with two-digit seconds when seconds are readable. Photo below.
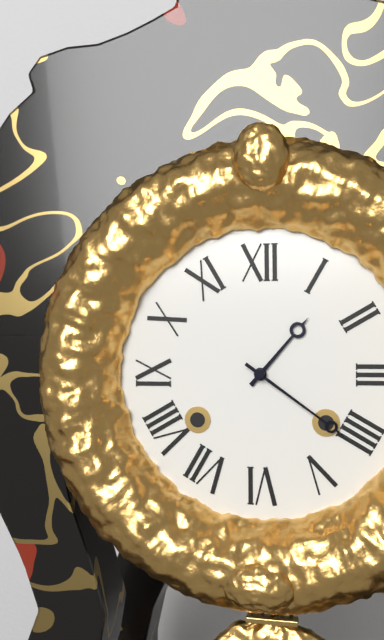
1,21
